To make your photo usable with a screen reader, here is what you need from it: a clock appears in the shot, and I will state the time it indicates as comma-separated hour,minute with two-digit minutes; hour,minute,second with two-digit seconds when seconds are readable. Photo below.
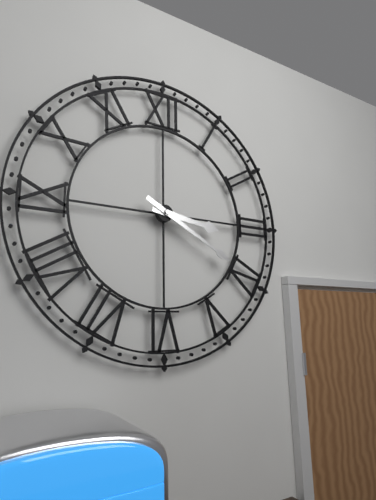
3,20
